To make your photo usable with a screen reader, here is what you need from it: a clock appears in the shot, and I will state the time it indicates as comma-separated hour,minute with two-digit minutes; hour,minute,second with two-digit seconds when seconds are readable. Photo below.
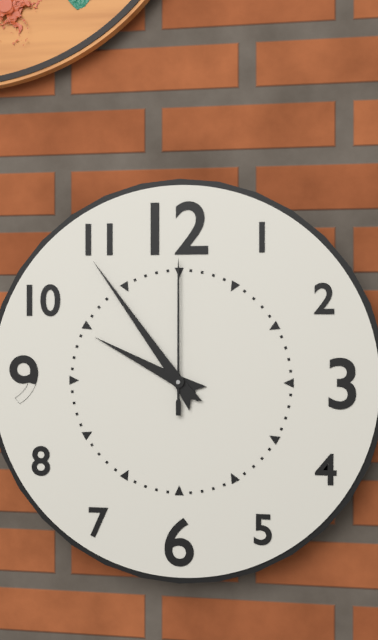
9,54,00
